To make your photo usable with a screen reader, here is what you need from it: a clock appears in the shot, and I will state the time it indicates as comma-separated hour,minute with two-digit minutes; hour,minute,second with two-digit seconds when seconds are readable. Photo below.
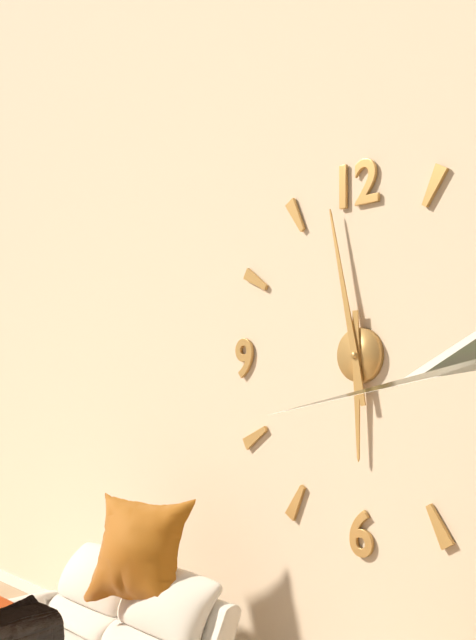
5,58
